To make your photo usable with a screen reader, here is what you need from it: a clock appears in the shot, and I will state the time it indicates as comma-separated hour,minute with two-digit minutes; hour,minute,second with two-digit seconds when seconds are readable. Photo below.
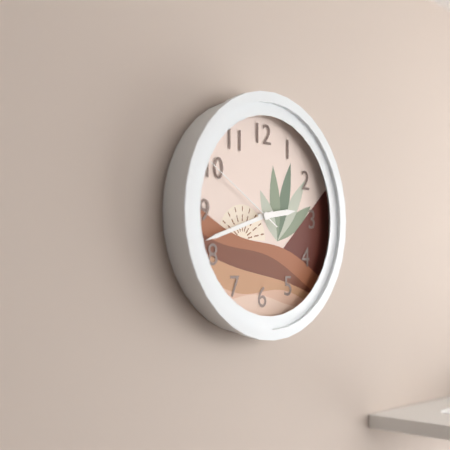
2,42,50
